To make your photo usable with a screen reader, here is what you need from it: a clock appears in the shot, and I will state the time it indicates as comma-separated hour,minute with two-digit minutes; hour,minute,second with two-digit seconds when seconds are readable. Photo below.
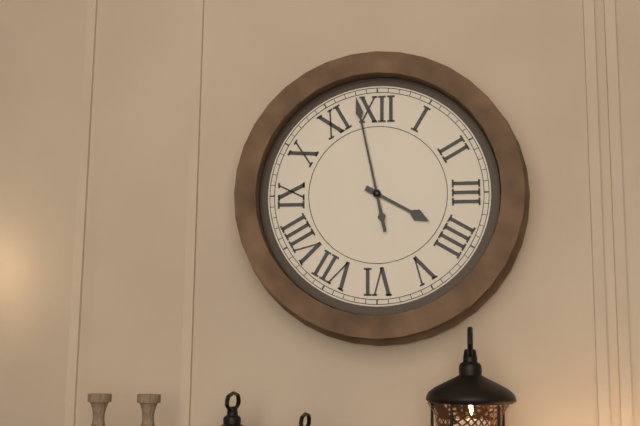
3,58
